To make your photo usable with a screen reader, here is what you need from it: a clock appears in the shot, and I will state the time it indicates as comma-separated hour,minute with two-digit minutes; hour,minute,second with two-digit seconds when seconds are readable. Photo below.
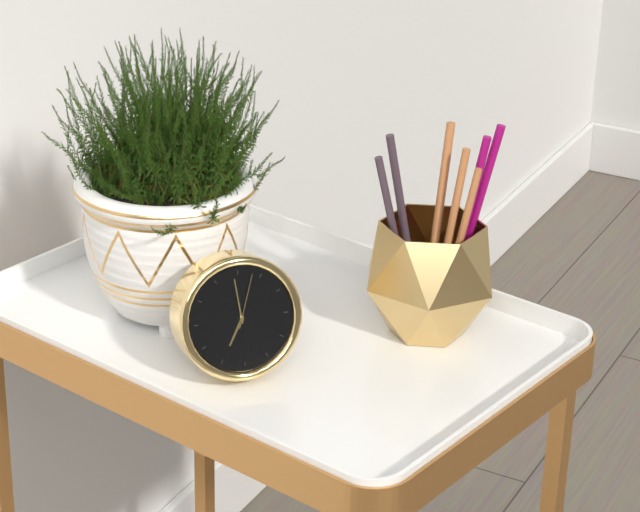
6,59,03
